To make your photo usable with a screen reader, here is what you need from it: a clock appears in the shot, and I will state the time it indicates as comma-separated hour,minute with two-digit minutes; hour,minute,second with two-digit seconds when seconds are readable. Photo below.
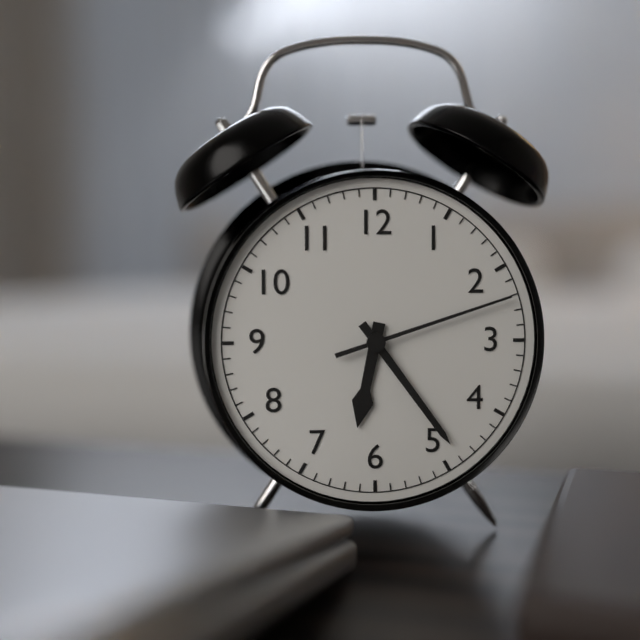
6,24,12
